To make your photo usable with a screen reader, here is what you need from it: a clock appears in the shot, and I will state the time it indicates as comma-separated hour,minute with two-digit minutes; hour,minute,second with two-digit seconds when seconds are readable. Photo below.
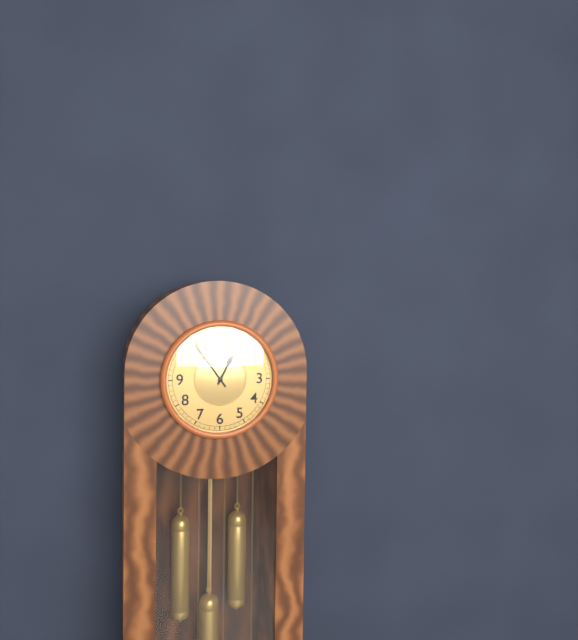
12,54
